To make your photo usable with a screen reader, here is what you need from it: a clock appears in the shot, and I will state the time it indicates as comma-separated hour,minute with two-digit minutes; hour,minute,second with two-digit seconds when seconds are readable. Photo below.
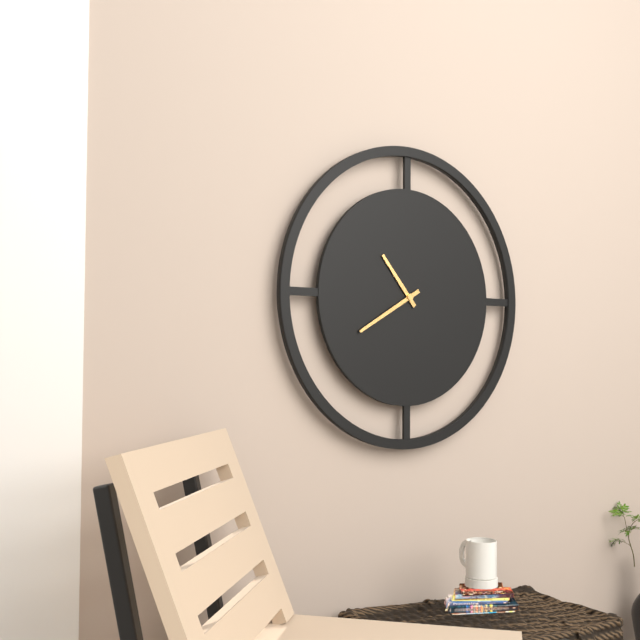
10,40
